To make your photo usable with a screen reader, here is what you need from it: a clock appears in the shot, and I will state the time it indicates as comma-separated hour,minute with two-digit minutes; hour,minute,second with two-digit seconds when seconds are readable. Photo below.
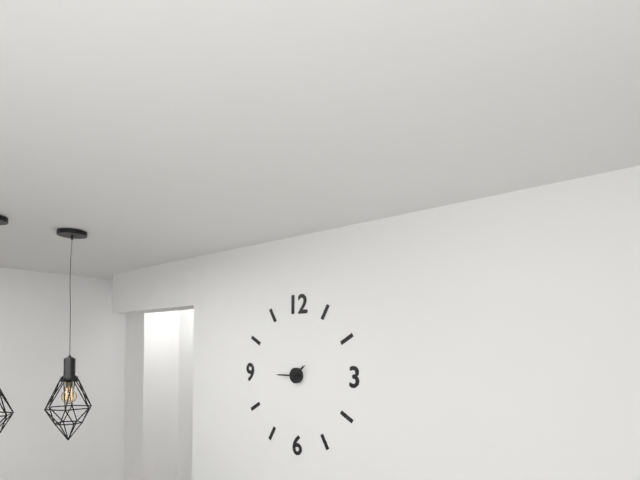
1,45
